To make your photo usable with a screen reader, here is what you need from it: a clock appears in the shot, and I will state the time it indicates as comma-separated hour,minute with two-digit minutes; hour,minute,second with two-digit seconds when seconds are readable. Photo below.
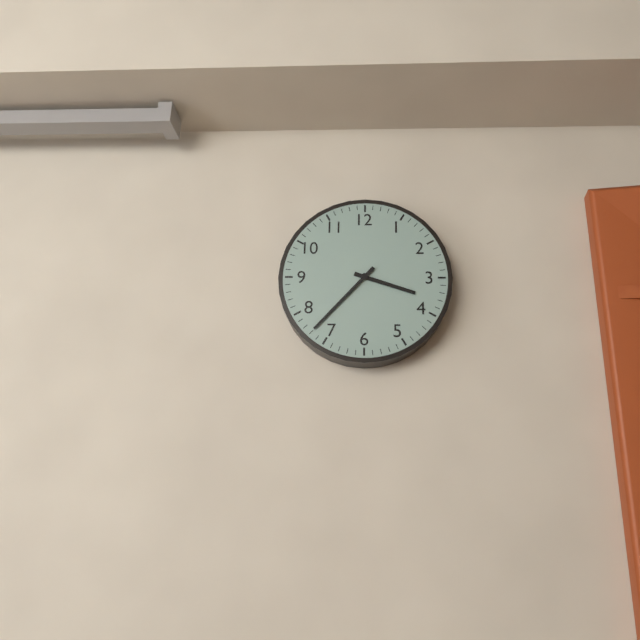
3,37
